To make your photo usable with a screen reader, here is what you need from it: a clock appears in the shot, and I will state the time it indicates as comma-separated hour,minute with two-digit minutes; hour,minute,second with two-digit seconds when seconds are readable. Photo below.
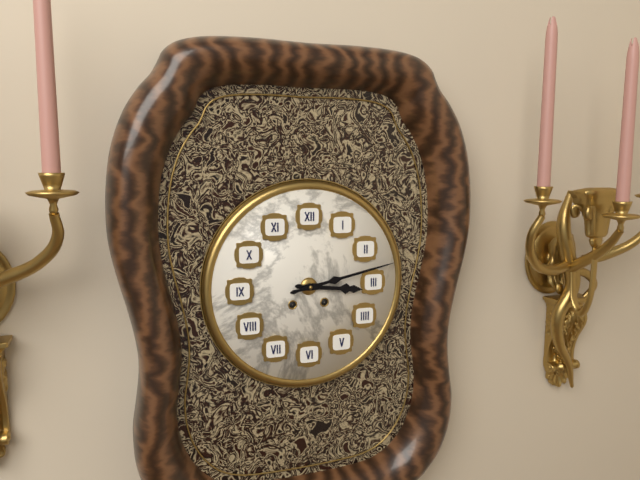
3,13
